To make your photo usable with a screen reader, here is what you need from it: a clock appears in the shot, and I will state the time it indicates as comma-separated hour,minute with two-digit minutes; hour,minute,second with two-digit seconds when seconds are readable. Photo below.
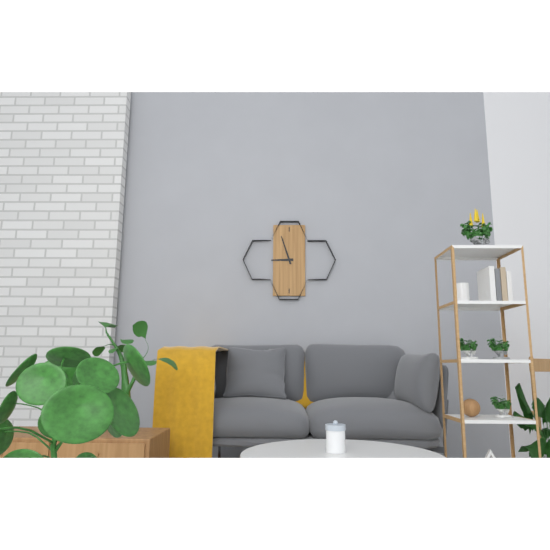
8,57
